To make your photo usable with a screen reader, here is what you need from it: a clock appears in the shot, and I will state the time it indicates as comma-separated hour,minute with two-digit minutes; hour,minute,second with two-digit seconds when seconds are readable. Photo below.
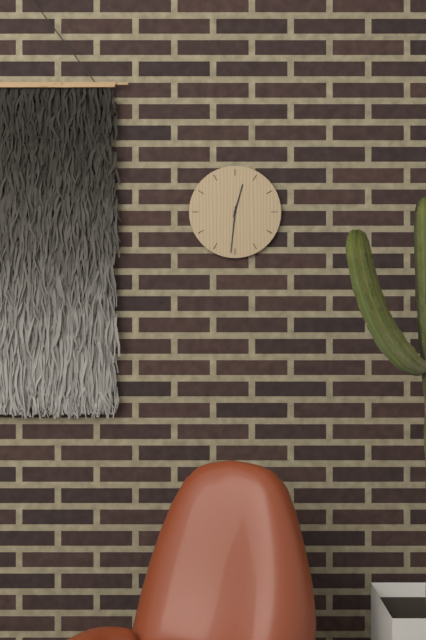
12,31
